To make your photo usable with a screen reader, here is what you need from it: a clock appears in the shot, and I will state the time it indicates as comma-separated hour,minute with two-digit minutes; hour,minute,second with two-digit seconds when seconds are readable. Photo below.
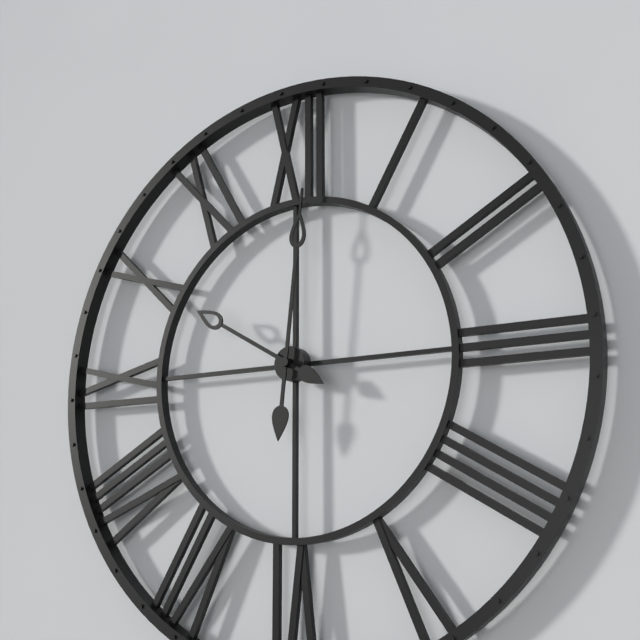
10,01
